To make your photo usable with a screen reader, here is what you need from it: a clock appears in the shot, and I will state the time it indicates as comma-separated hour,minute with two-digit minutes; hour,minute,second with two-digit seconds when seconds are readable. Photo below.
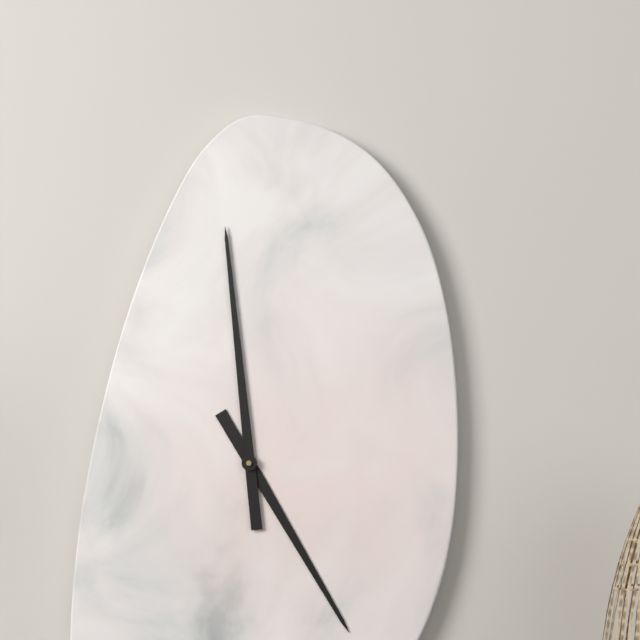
4,59
